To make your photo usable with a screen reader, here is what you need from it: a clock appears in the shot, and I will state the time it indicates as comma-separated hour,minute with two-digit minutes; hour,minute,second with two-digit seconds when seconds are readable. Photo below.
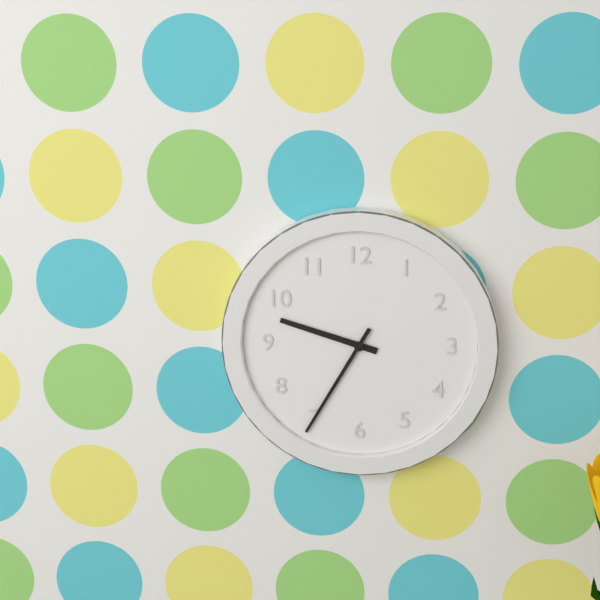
9,35
